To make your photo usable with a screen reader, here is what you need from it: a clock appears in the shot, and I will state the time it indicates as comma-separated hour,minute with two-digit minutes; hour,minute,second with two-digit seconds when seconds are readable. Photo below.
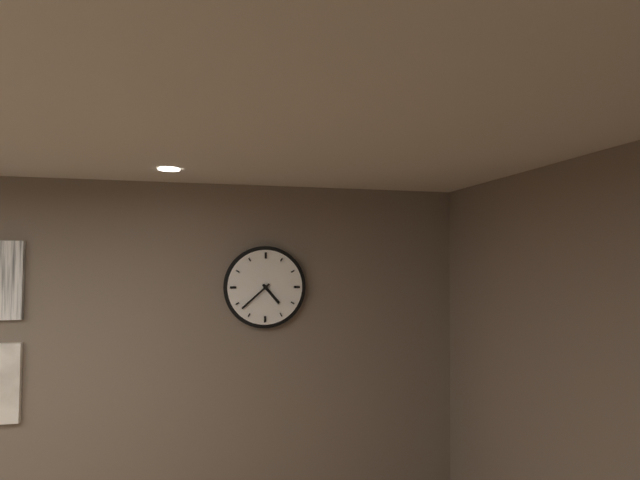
4,38
